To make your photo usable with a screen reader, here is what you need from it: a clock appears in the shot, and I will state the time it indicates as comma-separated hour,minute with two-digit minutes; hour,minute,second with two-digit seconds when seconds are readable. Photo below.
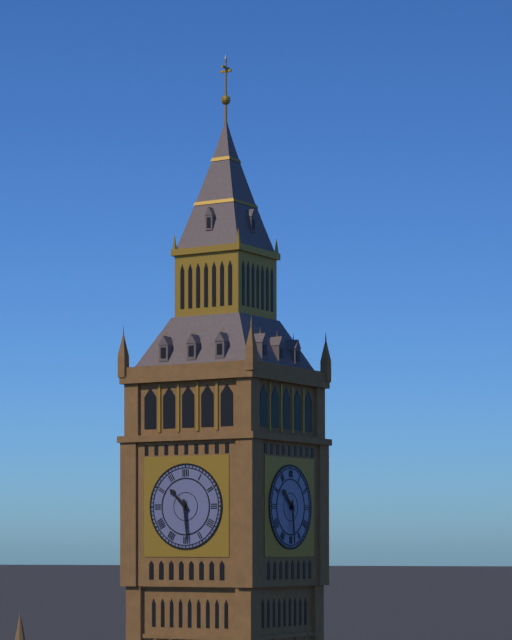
10,29
